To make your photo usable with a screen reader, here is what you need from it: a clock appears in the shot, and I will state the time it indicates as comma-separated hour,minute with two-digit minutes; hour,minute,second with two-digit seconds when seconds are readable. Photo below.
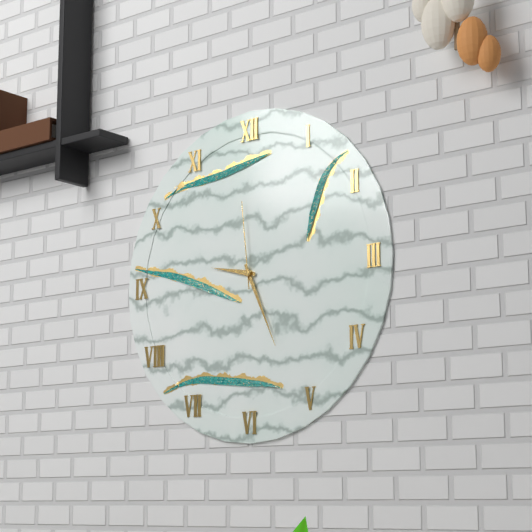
9,26,59
